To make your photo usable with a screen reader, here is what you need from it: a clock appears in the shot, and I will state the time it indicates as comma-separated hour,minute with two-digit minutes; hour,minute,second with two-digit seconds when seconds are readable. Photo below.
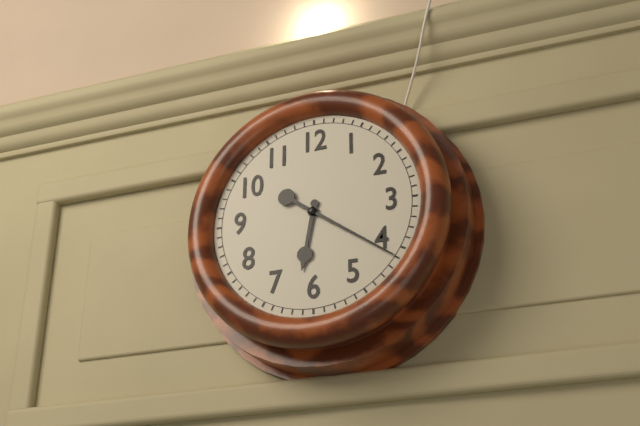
6,21
